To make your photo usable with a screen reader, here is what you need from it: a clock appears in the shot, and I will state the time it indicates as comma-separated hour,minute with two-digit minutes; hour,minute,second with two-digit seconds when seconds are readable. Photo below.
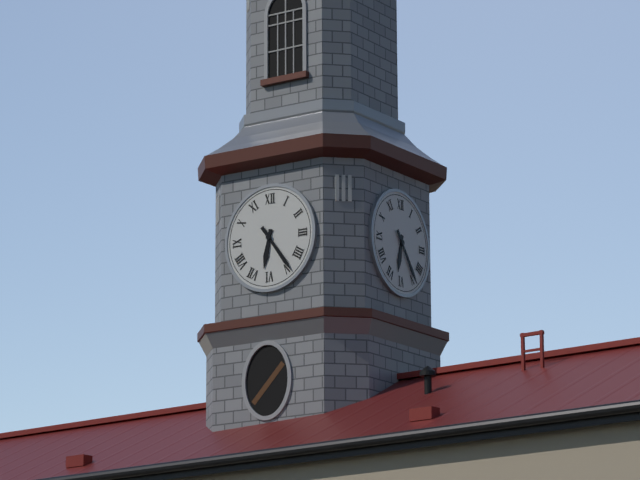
6,24
